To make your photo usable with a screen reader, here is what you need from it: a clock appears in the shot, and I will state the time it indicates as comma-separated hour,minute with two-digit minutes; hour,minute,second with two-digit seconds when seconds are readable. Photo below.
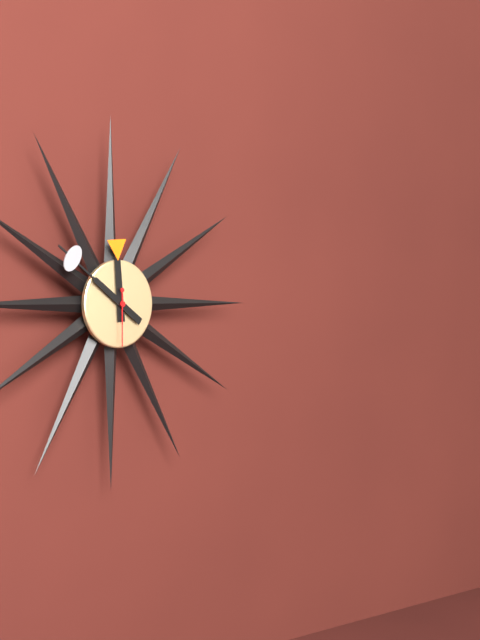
11,51,30
